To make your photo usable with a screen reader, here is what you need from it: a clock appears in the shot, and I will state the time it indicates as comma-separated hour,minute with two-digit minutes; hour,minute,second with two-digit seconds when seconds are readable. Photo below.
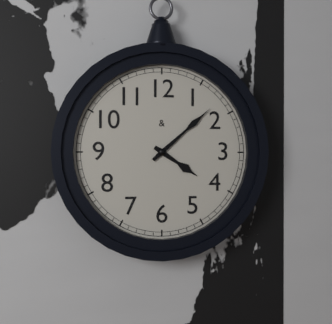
4,08
